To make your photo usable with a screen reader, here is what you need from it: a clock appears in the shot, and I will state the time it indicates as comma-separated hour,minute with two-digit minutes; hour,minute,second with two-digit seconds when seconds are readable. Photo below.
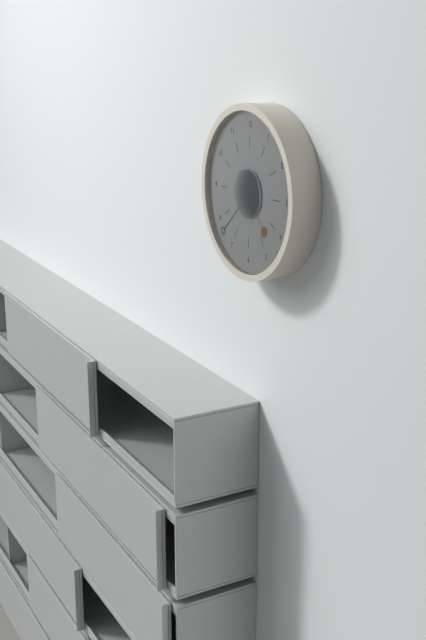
4,38
